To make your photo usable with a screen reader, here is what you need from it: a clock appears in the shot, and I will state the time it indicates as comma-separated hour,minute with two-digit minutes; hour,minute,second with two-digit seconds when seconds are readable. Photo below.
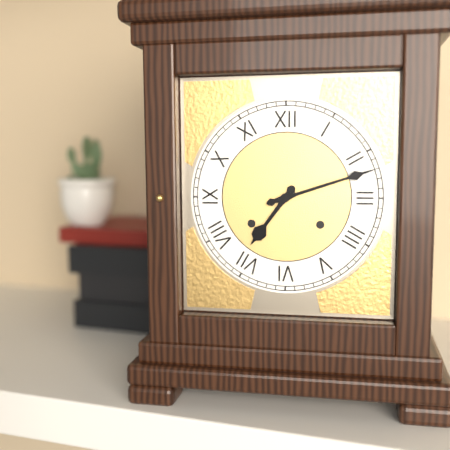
7,12
